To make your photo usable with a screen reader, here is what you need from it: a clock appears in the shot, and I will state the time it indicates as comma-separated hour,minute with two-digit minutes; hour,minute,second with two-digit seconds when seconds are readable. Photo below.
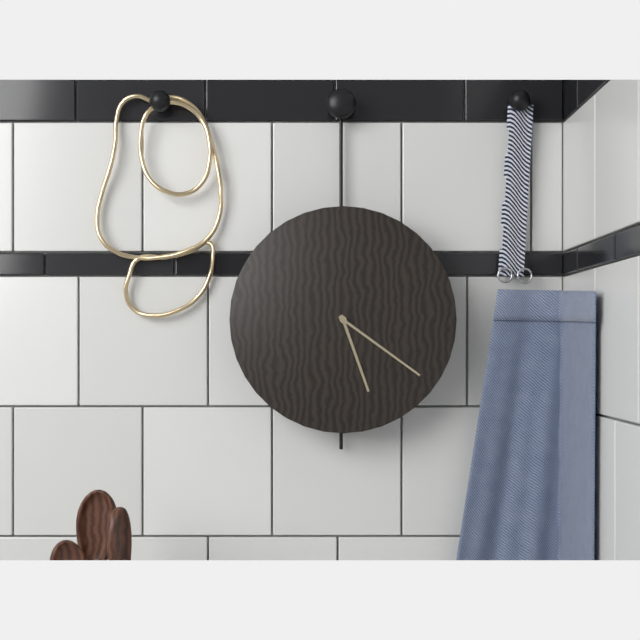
5,21
